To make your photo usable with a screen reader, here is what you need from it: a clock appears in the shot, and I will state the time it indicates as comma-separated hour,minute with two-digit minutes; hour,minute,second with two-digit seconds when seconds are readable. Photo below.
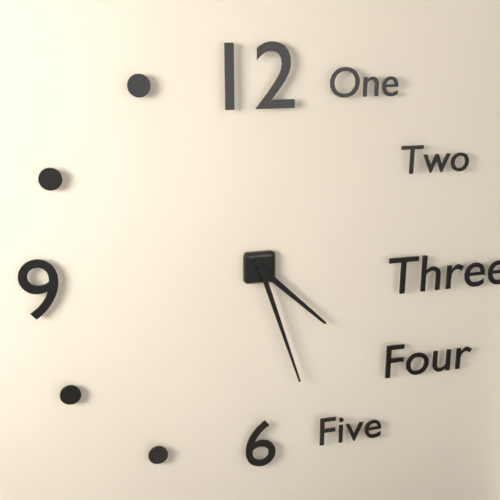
4,27
